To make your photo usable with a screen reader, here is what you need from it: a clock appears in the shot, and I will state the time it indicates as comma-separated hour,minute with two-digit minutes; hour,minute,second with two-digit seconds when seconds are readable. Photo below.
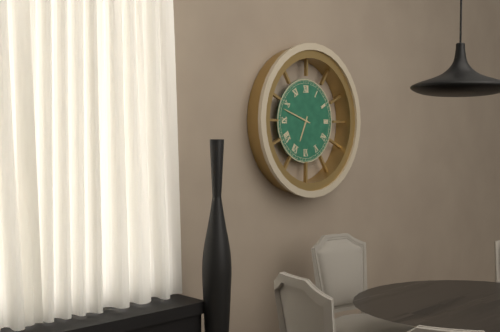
6,48
